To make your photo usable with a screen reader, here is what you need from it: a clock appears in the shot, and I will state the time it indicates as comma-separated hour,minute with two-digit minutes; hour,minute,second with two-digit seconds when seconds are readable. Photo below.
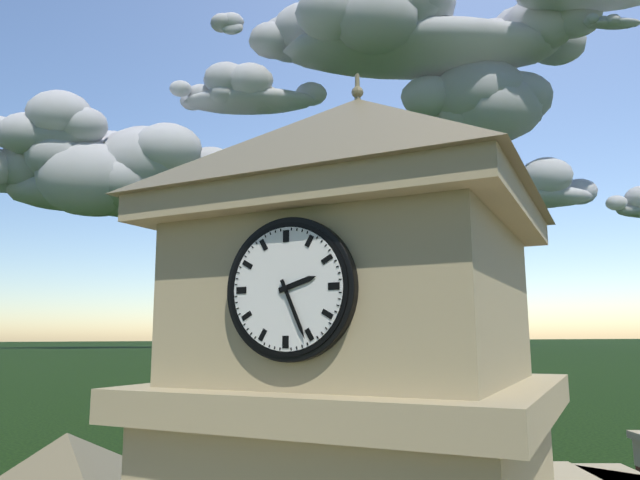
2,26
